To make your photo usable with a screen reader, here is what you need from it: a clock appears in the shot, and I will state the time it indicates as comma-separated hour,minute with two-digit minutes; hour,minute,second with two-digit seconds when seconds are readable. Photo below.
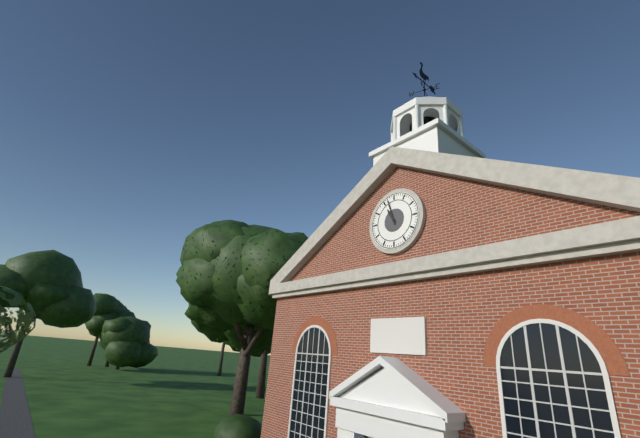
10,57
